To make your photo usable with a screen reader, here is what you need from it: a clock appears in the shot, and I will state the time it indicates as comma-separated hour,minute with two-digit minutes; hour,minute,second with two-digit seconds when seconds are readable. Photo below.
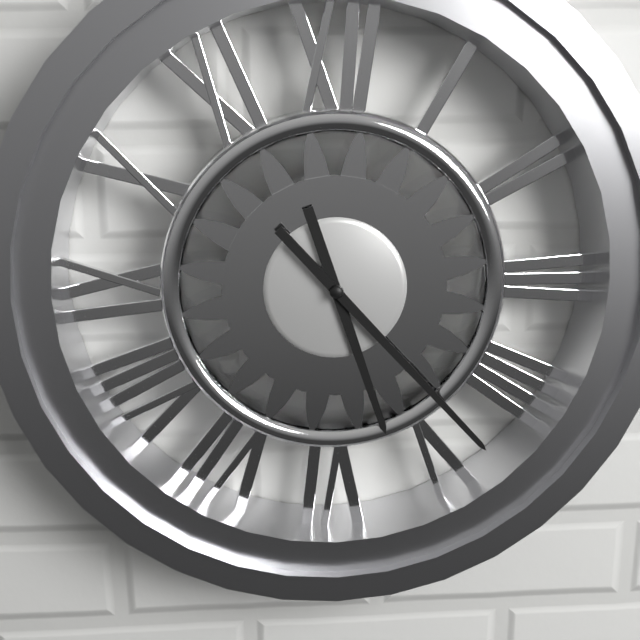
5,23
